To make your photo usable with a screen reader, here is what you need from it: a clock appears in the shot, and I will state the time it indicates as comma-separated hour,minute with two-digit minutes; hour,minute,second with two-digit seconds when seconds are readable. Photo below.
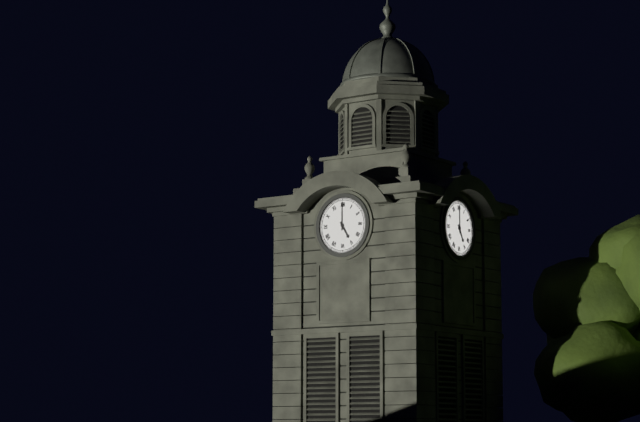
5,00
